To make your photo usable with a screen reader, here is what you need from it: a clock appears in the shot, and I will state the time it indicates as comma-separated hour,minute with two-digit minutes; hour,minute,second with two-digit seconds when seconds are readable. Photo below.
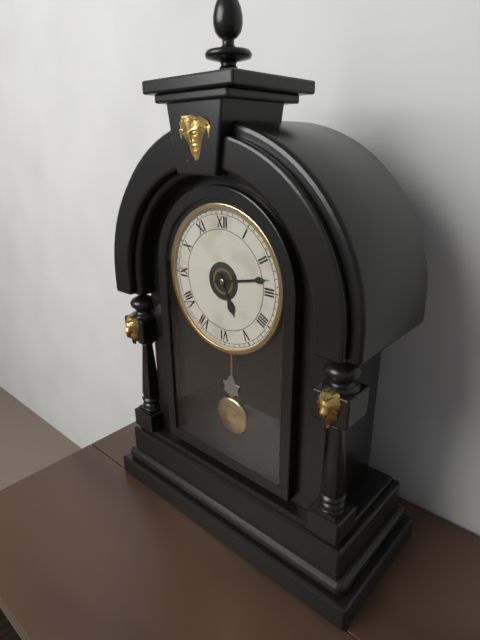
5,13
